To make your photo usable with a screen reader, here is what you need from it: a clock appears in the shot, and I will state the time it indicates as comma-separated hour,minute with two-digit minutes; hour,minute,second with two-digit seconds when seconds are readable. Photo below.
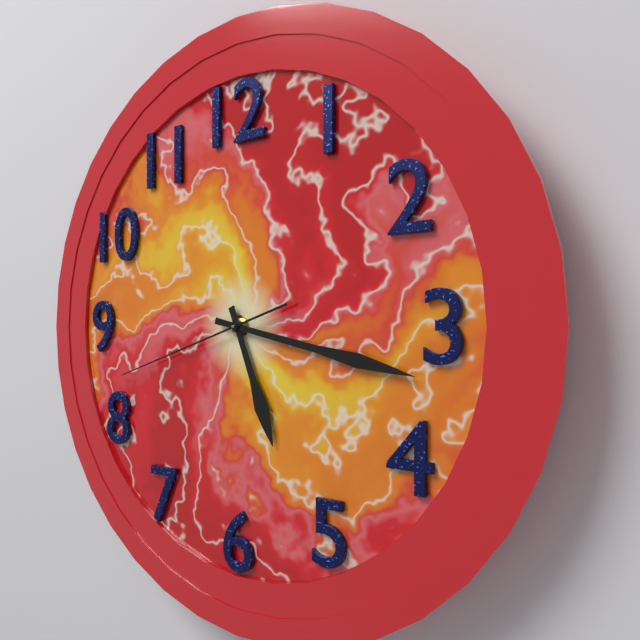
5,17,42
